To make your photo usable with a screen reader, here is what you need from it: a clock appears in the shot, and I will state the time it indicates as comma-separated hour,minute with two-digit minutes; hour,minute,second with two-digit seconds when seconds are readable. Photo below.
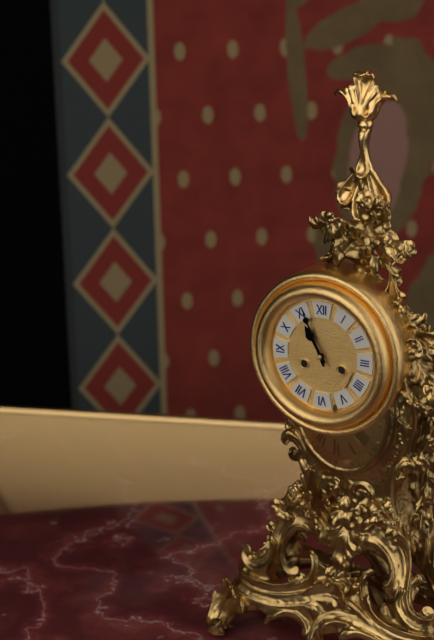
10,56
